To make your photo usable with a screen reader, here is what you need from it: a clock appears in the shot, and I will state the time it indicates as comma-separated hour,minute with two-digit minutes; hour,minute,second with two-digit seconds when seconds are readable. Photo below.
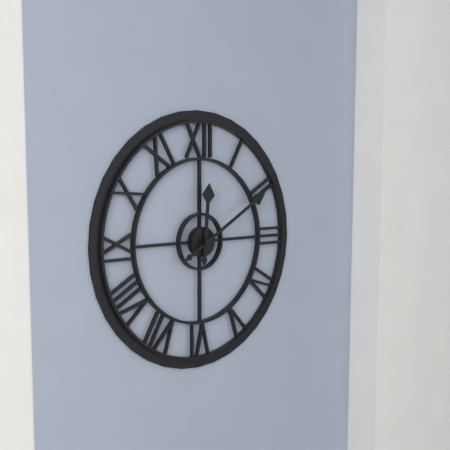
12,10
